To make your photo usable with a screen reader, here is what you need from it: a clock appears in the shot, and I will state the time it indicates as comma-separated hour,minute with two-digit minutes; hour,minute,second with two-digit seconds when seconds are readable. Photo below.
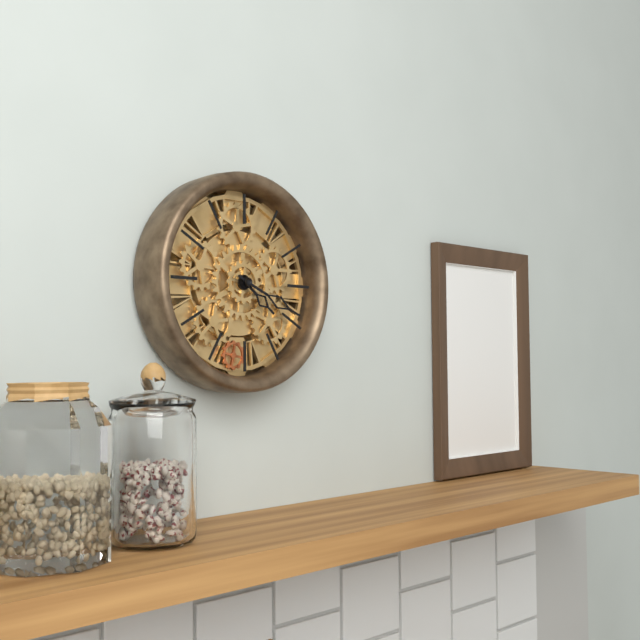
4,19
